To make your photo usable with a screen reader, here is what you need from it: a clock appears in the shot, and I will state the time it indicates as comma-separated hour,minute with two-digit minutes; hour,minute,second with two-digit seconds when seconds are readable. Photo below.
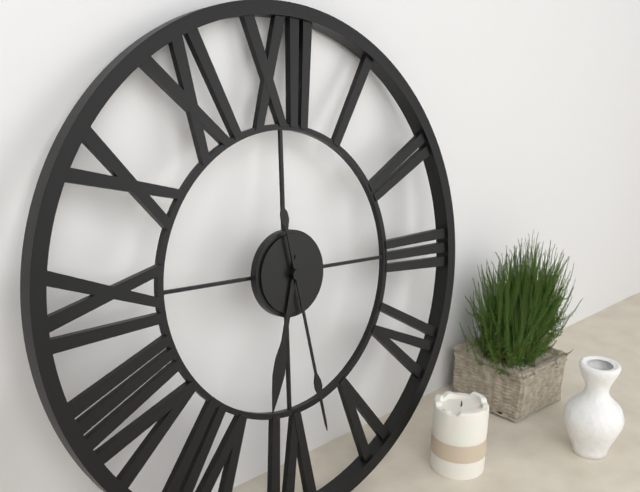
6,28
